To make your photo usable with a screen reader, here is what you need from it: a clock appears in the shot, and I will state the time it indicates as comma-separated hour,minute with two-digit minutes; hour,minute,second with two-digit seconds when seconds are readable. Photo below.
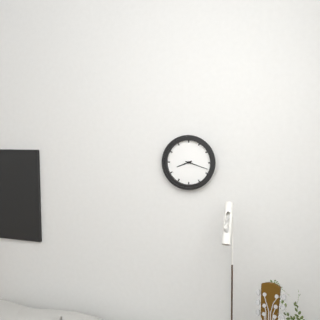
8,18
